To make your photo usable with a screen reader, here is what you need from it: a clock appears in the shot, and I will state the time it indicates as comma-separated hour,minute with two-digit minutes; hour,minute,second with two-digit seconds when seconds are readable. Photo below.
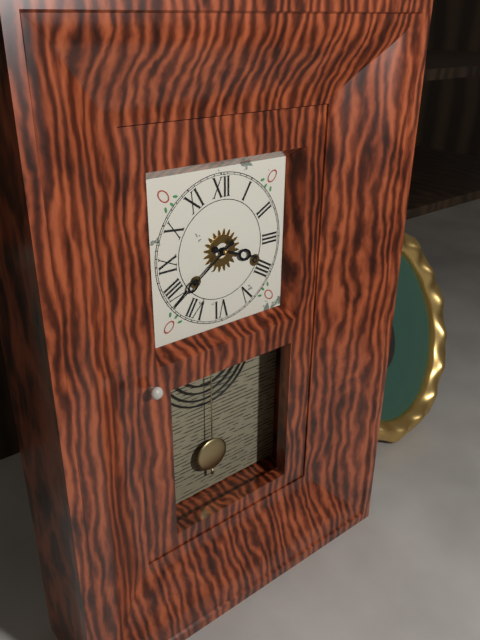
3,39
